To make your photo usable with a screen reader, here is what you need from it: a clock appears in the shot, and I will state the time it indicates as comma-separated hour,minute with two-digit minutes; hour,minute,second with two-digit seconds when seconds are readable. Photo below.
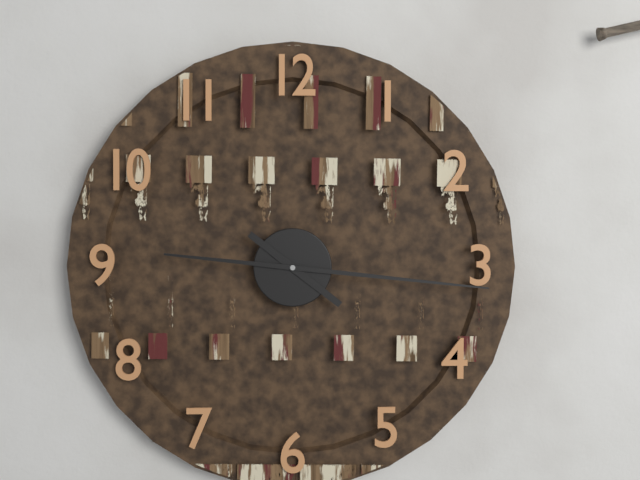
4,16
